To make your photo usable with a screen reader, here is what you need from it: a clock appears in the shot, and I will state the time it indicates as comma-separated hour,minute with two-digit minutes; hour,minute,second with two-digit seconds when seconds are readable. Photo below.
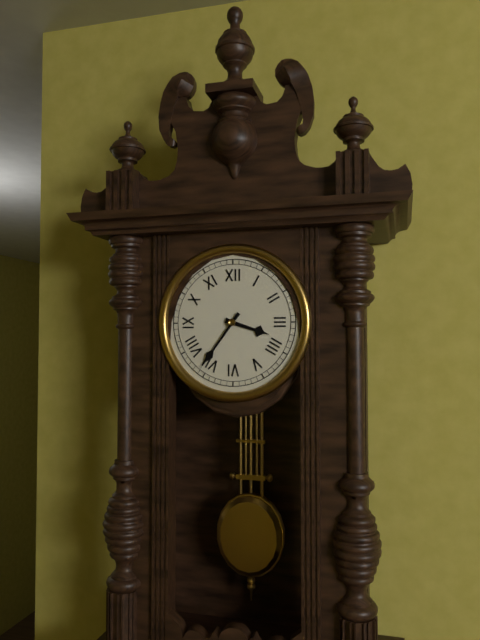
3,36
